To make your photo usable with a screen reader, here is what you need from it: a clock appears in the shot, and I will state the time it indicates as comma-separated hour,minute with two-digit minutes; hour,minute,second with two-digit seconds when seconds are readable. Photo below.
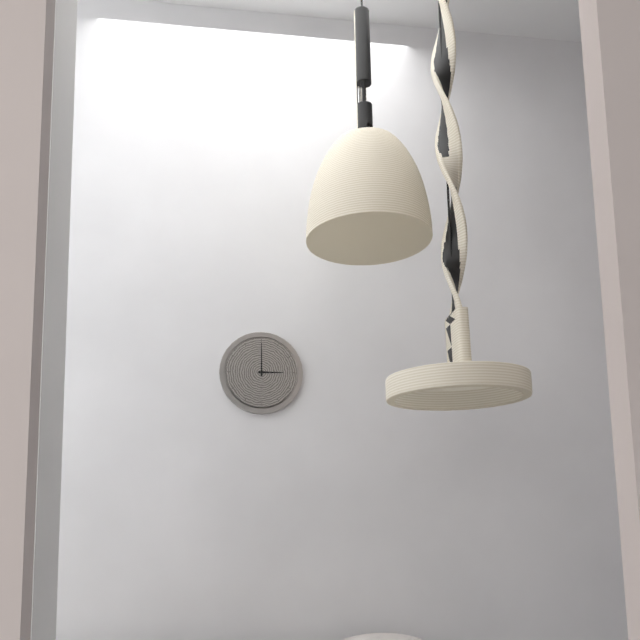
3,00
